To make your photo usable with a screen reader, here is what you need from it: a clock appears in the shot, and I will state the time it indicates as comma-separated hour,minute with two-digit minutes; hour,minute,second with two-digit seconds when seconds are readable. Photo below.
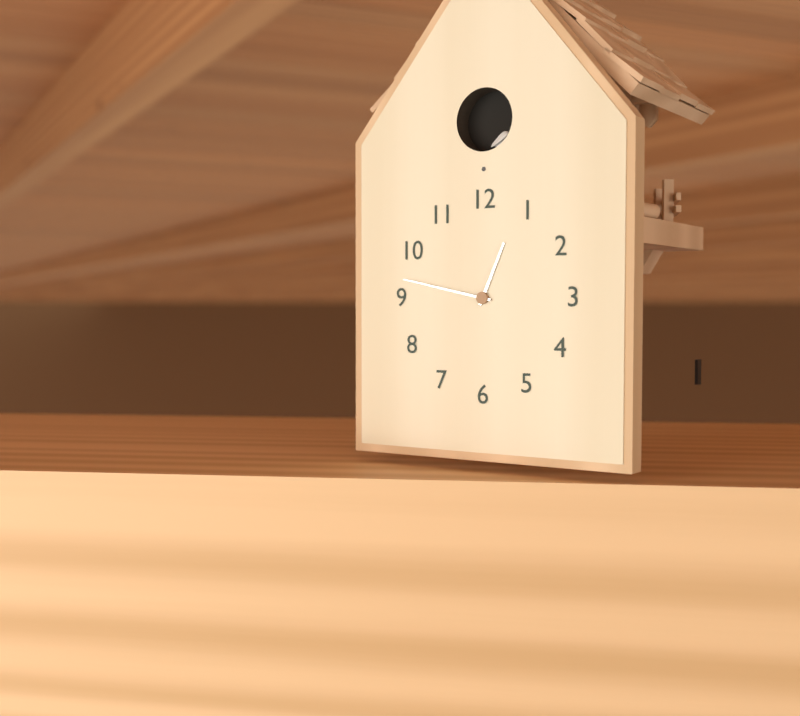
12,47
